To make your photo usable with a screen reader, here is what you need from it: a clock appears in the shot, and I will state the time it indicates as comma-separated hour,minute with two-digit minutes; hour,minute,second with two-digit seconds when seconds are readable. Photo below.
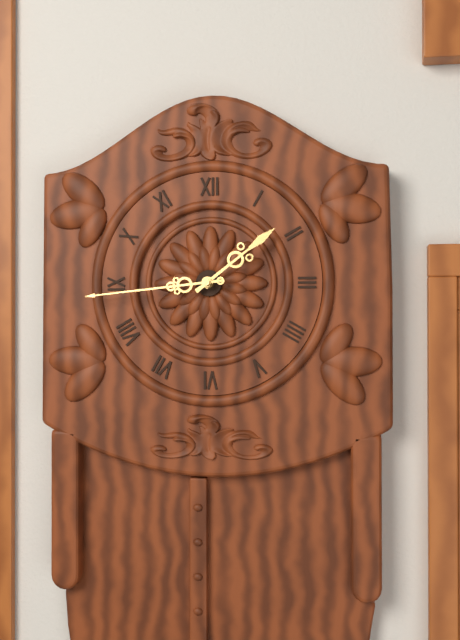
1,44
